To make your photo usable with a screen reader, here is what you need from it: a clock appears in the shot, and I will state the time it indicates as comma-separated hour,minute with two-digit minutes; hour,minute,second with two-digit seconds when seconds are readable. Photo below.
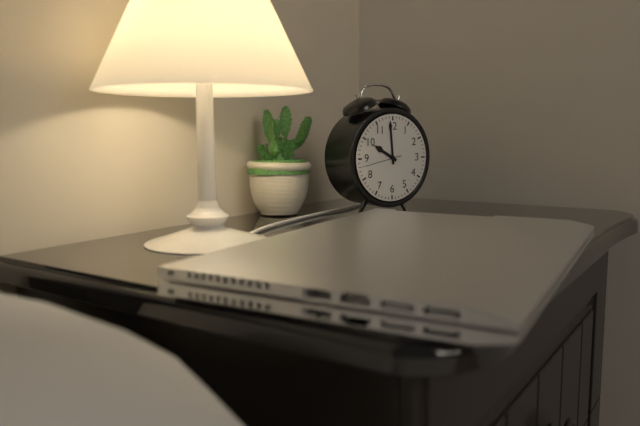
9,59
